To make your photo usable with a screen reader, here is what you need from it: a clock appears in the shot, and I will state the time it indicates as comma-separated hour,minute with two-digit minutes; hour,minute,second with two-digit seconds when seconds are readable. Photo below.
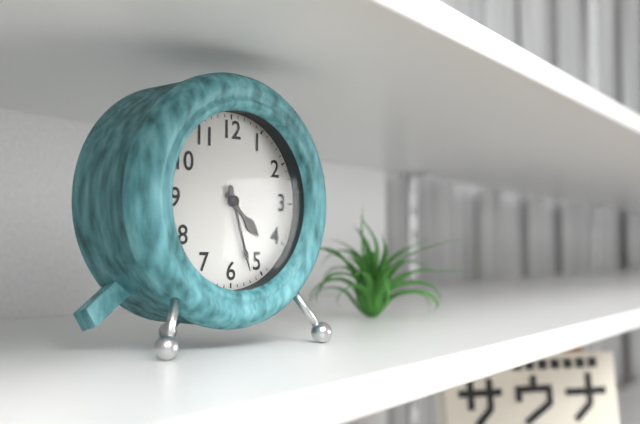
4,27
